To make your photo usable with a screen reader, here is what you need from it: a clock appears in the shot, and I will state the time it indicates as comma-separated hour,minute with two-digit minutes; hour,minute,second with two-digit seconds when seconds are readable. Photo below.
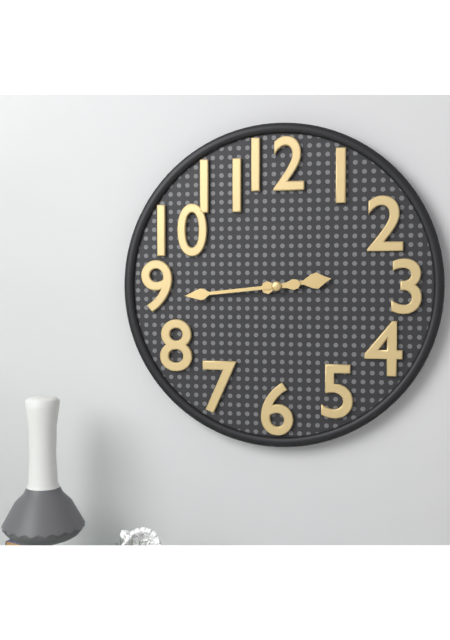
2,44
